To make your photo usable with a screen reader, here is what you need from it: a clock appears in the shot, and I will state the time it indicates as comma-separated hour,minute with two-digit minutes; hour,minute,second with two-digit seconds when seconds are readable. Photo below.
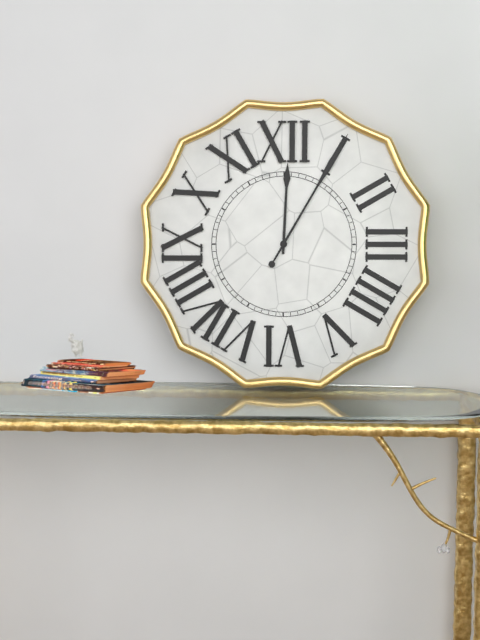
12,05
